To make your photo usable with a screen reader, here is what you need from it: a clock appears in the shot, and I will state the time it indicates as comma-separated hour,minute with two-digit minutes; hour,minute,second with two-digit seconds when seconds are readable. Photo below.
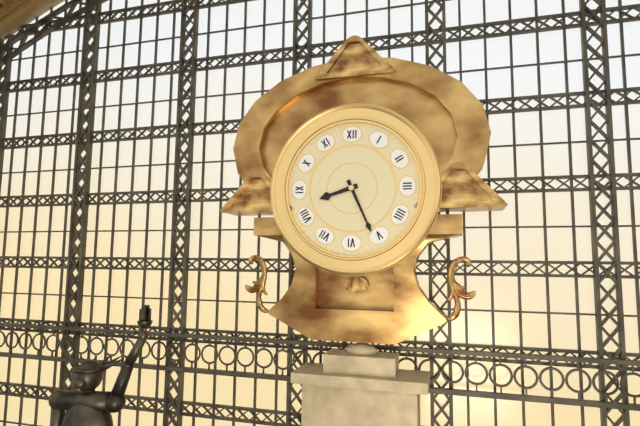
8,26
